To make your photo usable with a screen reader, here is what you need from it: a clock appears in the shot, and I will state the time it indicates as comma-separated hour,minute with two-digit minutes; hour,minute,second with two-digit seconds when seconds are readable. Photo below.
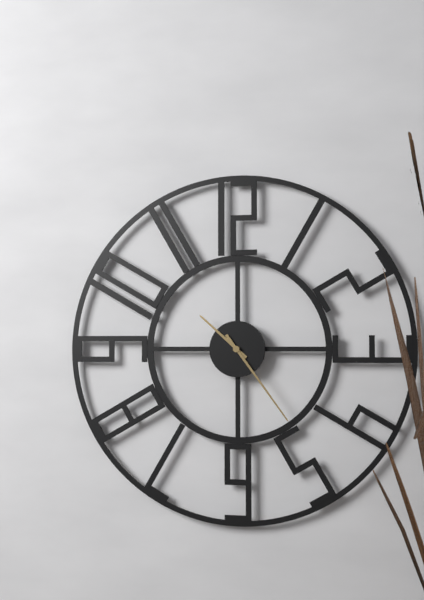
10,24
